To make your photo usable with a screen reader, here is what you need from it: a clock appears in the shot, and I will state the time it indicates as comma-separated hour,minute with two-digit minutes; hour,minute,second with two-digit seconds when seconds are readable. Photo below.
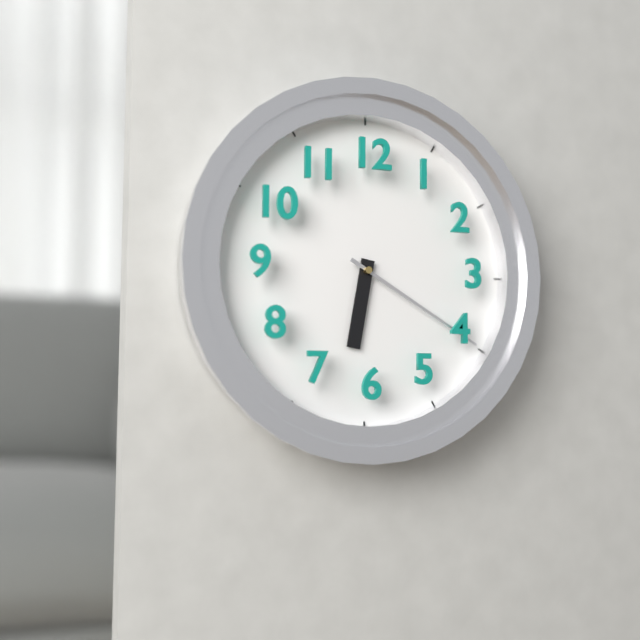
6,20
